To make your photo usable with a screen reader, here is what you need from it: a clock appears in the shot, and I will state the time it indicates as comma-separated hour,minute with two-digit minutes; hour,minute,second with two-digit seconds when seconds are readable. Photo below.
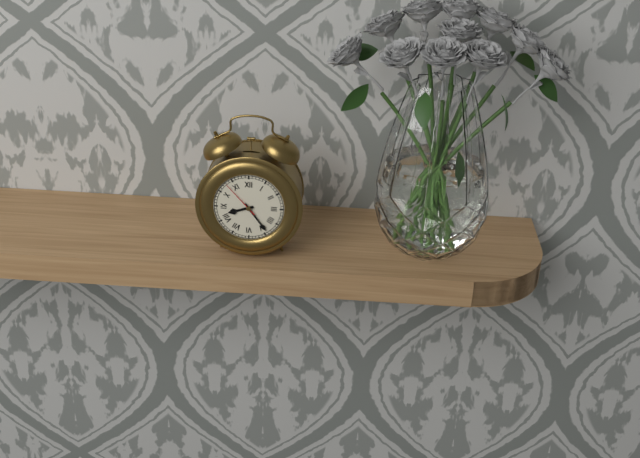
8,24
